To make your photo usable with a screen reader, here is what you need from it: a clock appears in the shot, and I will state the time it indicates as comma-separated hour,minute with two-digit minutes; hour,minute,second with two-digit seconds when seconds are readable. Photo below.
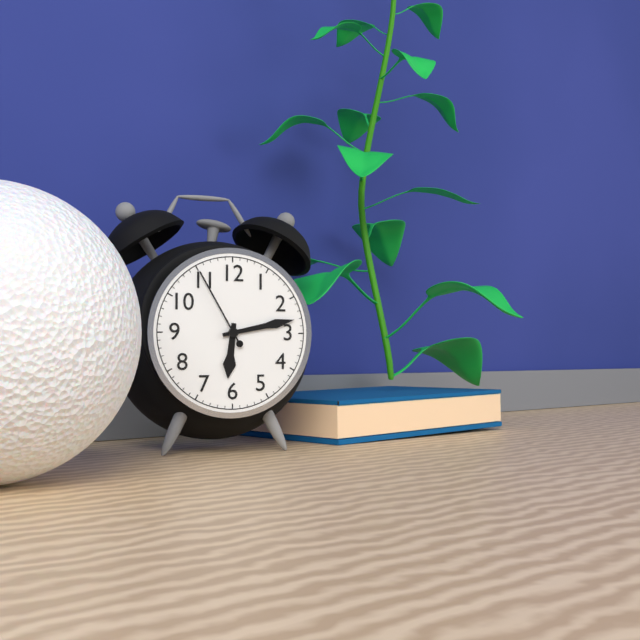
6,13,55
